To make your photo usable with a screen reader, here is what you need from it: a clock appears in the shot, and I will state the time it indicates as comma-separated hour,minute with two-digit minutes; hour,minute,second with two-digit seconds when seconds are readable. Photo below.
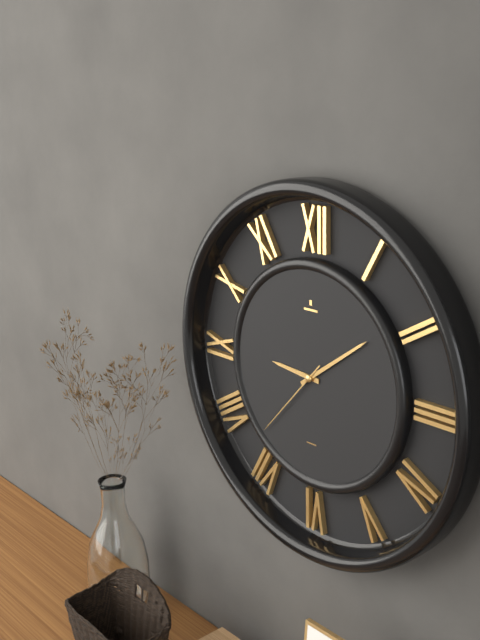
9,09,37
